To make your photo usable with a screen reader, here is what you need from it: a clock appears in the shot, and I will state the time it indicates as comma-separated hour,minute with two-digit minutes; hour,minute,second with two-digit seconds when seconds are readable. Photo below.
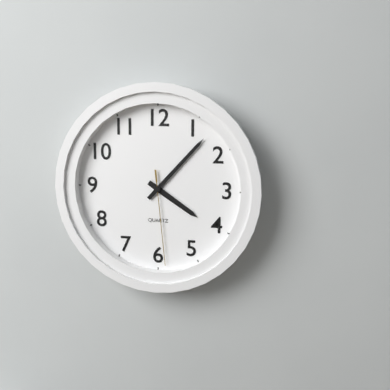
4,07,29
